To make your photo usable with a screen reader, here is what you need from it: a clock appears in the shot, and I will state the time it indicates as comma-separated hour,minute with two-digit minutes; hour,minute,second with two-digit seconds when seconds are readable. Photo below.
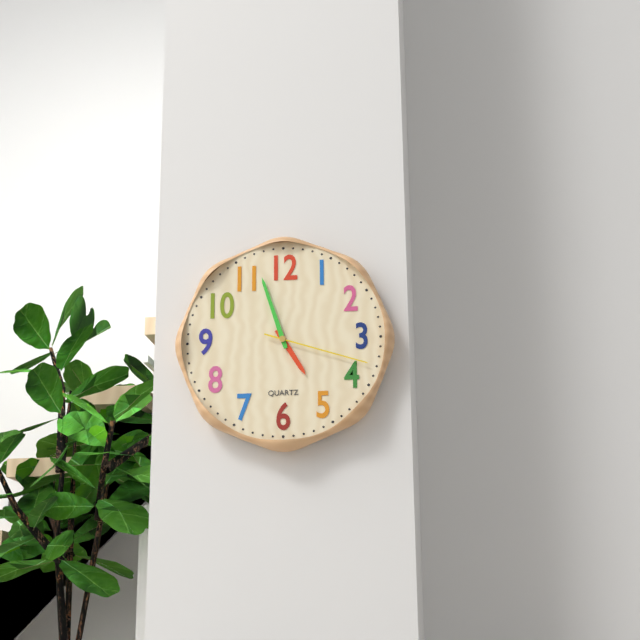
4,57,18
